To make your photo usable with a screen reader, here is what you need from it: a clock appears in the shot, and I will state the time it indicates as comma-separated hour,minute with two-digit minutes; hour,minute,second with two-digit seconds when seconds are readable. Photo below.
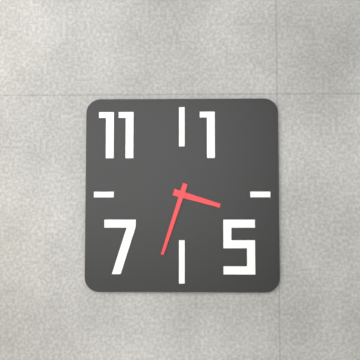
3,33
